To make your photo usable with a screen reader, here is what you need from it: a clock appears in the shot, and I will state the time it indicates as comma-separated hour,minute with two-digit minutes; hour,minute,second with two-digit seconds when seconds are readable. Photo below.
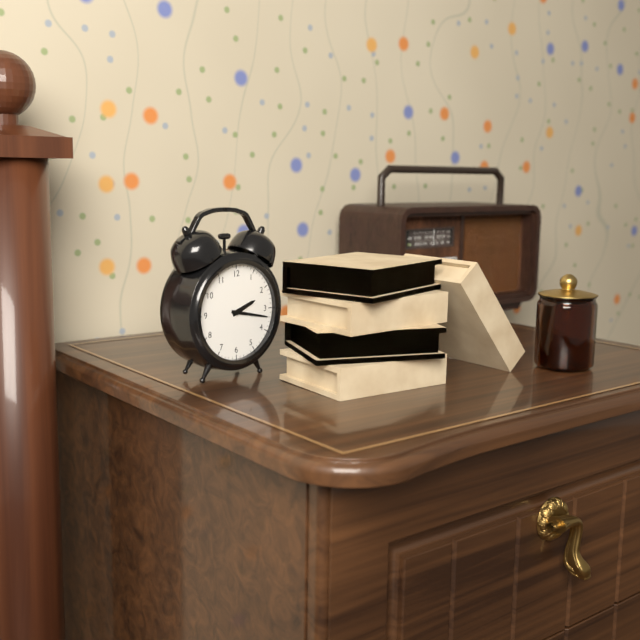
2,17
